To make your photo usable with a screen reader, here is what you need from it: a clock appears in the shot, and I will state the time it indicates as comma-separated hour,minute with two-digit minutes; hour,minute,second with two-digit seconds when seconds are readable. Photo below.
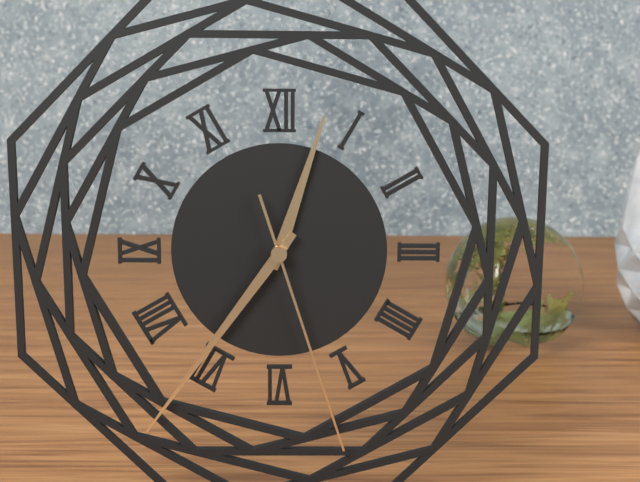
12,36,27
